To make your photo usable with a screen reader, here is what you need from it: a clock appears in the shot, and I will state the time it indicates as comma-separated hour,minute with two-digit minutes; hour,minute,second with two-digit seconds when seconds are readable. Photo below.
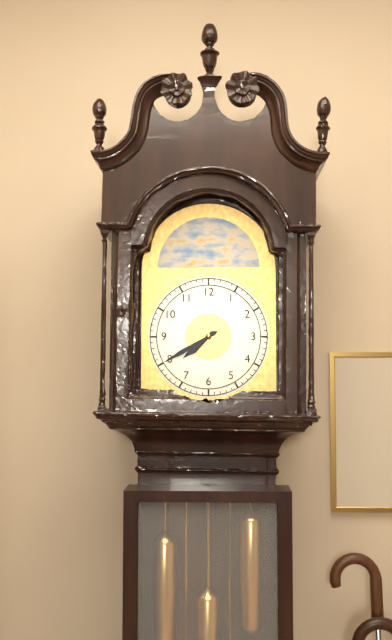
7,40
